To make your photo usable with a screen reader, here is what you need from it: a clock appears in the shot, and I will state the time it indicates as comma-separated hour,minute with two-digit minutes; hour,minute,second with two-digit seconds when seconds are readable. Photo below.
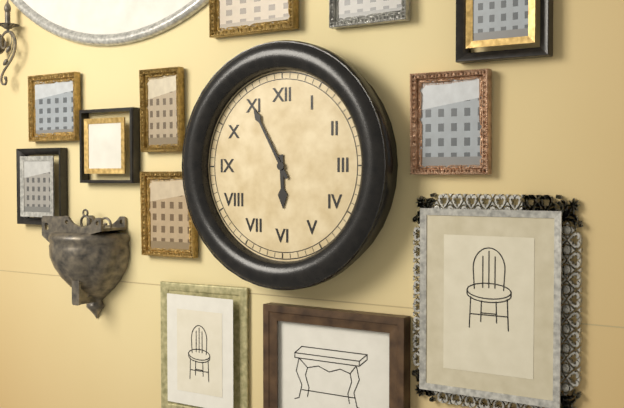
5,55
